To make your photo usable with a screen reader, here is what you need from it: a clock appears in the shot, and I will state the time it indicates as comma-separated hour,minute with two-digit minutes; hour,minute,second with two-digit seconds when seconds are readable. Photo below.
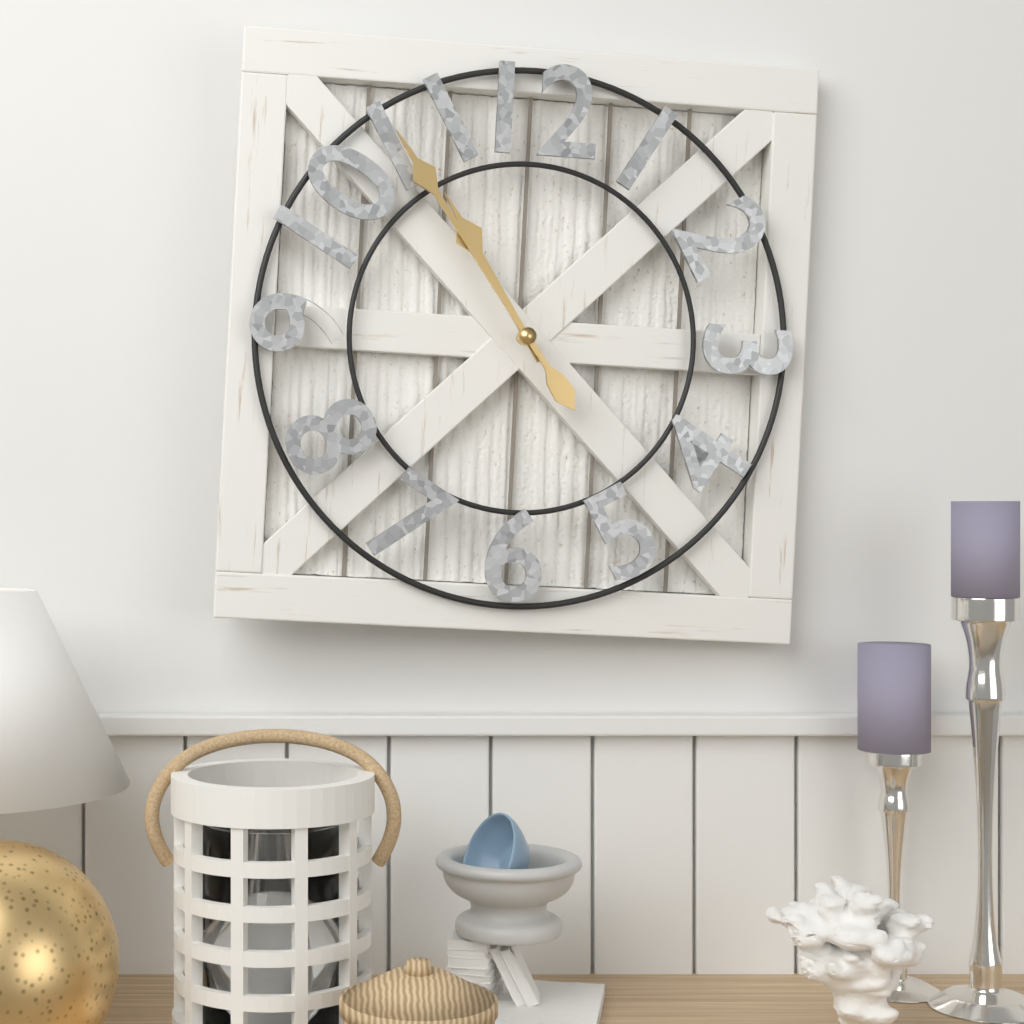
10,54
